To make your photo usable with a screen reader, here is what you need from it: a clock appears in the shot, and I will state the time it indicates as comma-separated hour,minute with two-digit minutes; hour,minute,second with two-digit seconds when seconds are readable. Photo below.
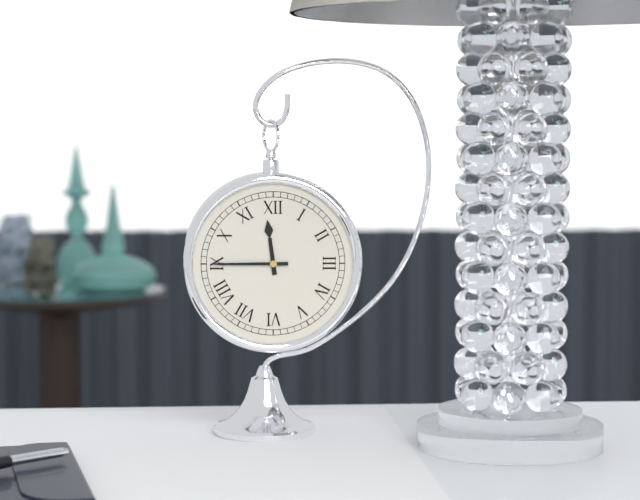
11,45
